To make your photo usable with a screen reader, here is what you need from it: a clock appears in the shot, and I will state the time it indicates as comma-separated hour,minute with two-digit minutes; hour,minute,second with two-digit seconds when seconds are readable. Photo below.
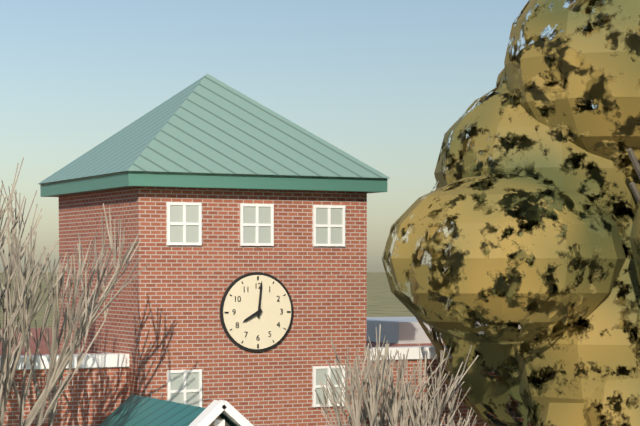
8,01
